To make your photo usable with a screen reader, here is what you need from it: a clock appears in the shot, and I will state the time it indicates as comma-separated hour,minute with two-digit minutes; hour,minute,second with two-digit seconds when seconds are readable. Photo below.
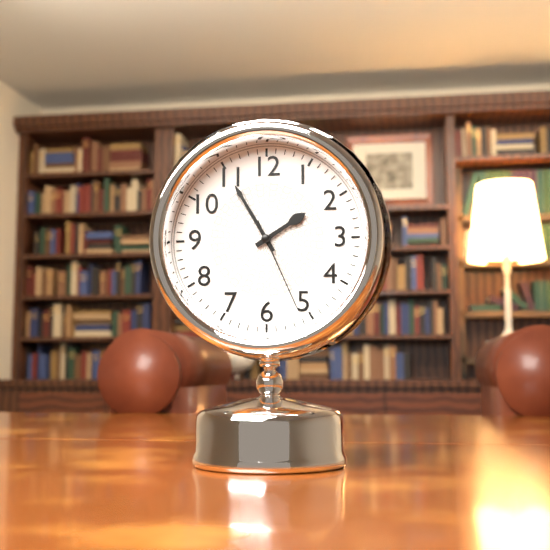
1,55,26
